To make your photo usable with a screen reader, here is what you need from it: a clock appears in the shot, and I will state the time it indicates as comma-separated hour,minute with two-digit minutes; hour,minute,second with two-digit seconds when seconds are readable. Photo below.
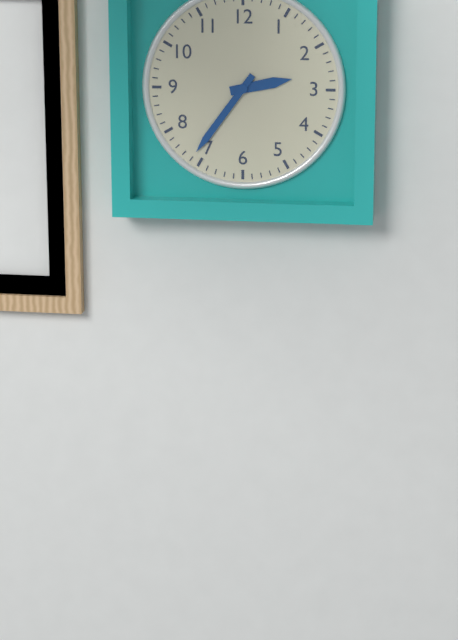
2,36
